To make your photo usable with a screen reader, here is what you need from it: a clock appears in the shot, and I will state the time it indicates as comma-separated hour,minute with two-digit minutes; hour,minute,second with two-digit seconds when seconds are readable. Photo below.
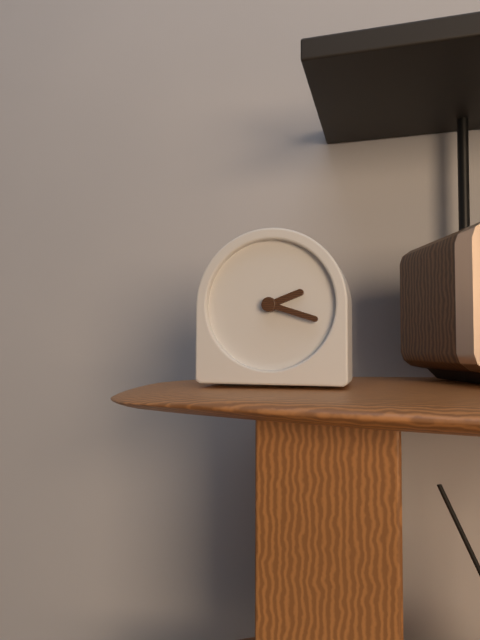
2,18
